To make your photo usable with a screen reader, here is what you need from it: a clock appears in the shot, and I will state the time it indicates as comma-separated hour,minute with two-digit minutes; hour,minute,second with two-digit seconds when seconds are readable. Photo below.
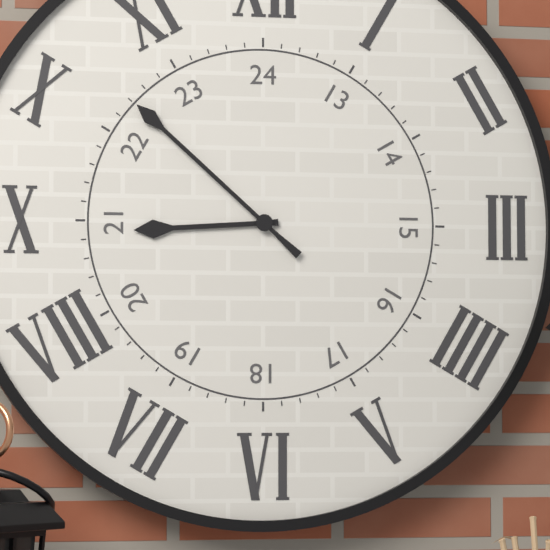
8,52
